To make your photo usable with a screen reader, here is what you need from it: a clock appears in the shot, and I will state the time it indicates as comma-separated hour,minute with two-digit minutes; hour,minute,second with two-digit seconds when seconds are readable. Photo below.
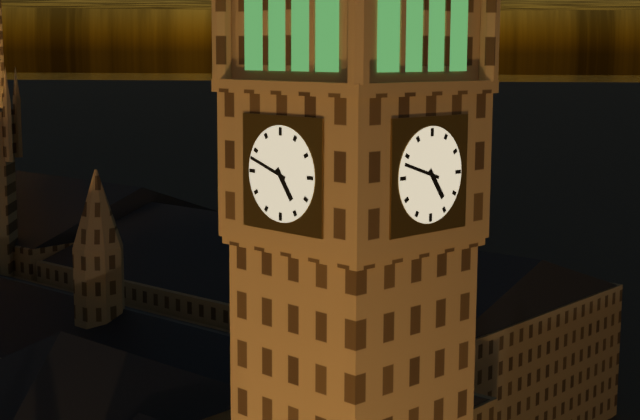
4,48
